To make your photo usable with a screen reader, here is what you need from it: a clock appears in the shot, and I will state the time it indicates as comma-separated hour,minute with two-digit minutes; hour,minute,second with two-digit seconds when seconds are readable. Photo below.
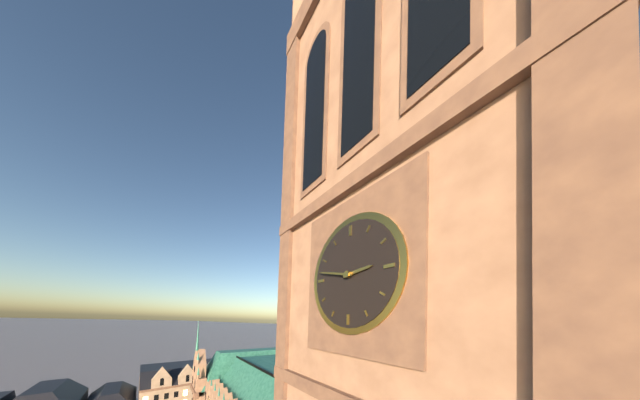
2,47
